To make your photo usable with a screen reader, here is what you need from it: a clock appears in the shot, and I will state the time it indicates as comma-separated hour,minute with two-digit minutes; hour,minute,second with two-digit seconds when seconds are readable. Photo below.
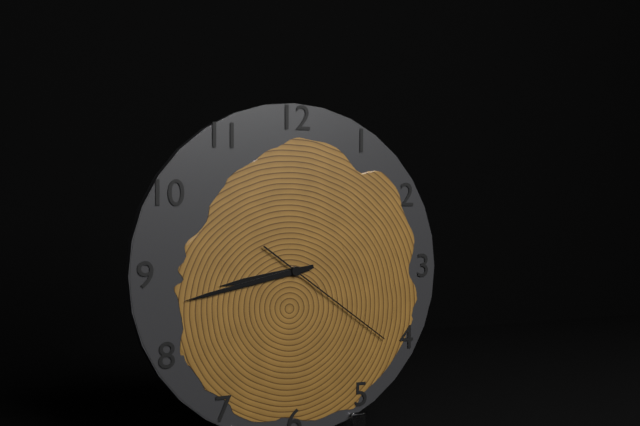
8,43,21
